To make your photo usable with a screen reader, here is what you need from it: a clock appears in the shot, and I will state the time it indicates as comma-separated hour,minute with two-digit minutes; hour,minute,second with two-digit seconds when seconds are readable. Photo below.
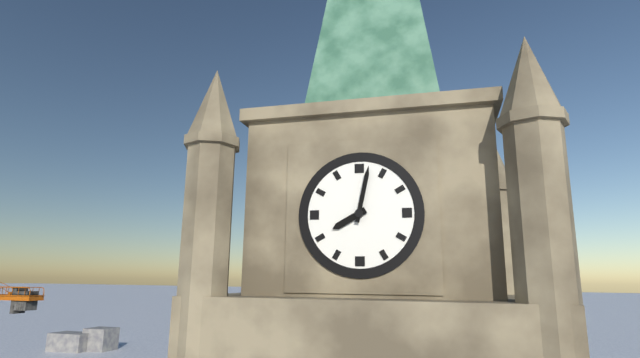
8,02
